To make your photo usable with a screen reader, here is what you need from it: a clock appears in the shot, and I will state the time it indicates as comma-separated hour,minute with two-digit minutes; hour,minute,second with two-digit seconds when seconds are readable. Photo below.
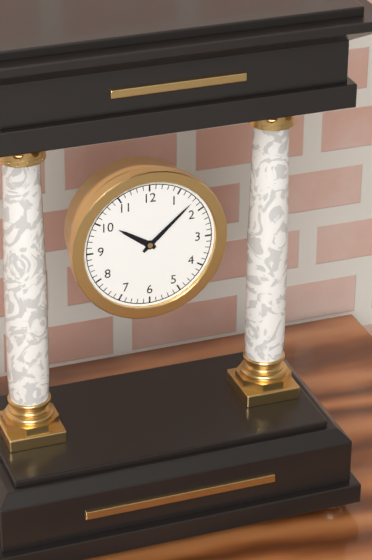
10,08
